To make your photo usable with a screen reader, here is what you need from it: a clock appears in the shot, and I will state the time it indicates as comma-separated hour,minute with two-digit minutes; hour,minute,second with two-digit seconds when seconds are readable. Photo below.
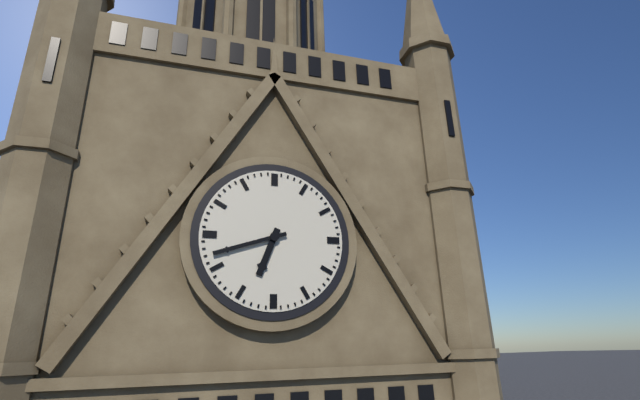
6,42
